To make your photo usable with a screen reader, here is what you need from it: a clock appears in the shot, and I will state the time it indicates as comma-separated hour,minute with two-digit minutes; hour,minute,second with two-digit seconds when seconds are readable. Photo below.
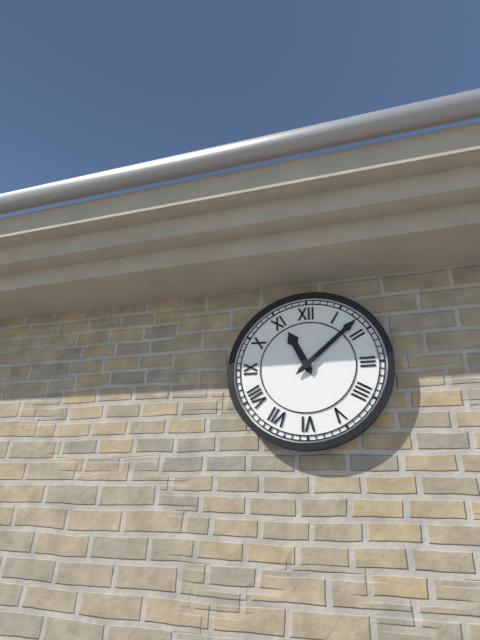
11,08
